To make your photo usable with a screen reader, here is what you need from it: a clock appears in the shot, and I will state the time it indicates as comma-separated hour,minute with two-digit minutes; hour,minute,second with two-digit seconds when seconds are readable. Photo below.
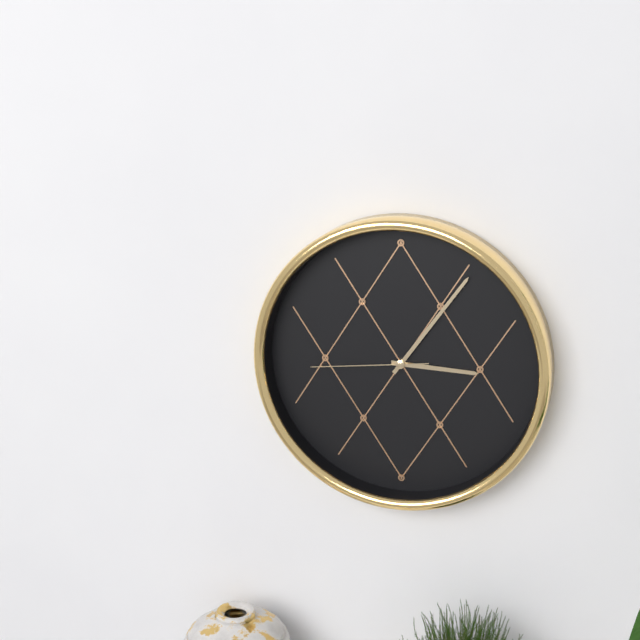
3,06,44
